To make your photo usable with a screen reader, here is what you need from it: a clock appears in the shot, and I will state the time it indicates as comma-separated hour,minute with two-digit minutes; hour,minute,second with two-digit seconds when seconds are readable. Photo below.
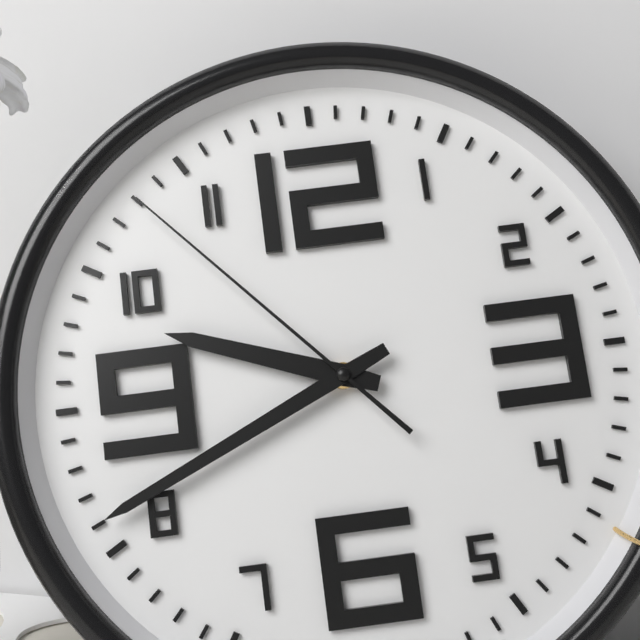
9,41,53
